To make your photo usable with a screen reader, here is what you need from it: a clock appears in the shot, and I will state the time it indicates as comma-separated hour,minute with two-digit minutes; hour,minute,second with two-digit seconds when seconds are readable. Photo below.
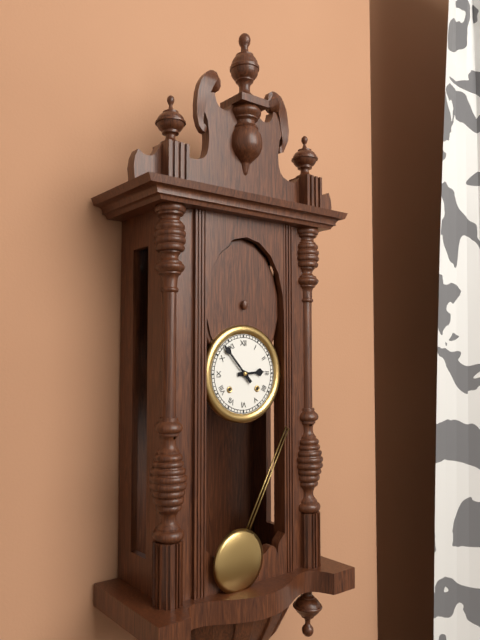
2,53
